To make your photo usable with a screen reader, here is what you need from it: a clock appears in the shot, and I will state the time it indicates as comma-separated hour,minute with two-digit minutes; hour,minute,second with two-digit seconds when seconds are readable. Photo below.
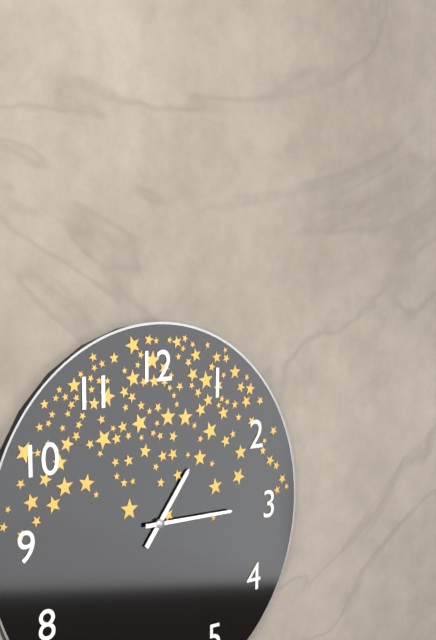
1,15
